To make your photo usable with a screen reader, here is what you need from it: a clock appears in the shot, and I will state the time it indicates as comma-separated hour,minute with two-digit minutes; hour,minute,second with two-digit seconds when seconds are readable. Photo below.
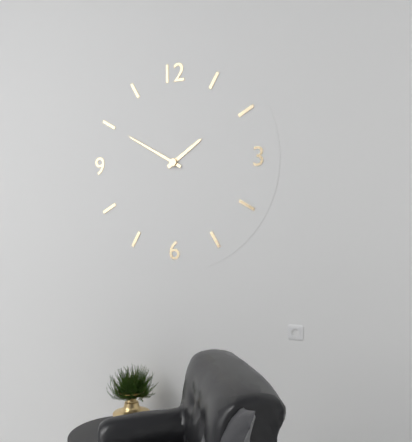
1,50
